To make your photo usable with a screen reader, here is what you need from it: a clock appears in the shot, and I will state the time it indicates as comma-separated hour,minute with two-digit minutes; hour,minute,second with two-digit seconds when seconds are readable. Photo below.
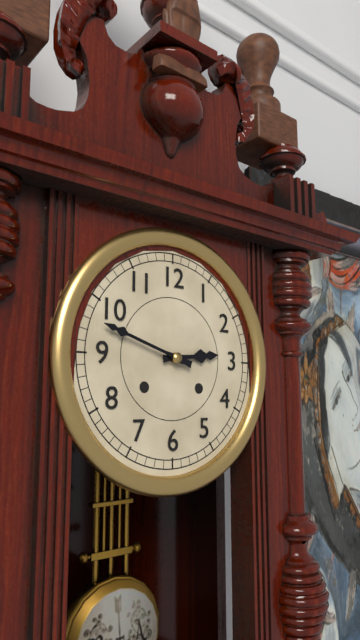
2,48
